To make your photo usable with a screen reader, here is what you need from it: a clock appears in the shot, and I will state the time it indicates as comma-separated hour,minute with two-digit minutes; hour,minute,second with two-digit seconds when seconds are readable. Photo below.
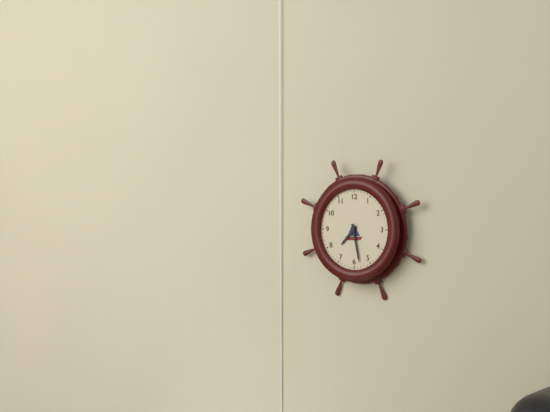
7,28
